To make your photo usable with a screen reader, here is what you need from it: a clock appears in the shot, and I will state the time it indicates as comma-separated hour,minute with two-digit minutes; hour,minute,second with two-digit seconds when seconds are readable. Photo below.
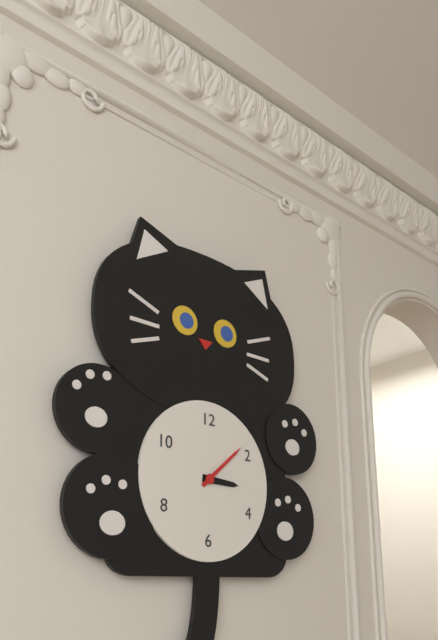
3,08
